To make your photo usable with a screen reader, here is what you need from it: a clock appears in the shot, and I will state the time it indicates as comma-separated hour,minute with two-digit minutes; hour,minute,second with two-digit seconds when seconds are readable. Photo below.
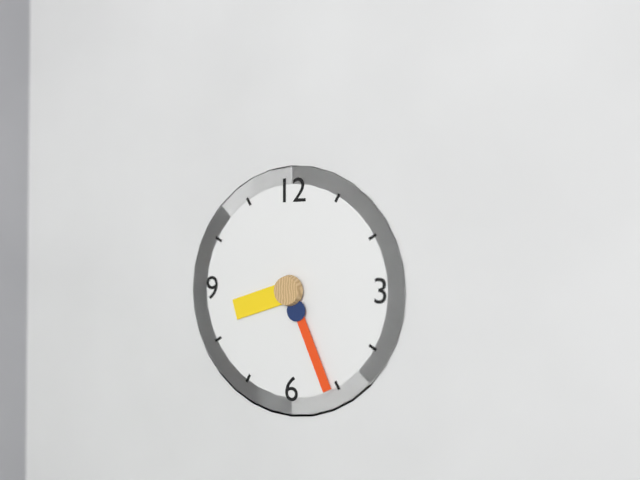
8,26
